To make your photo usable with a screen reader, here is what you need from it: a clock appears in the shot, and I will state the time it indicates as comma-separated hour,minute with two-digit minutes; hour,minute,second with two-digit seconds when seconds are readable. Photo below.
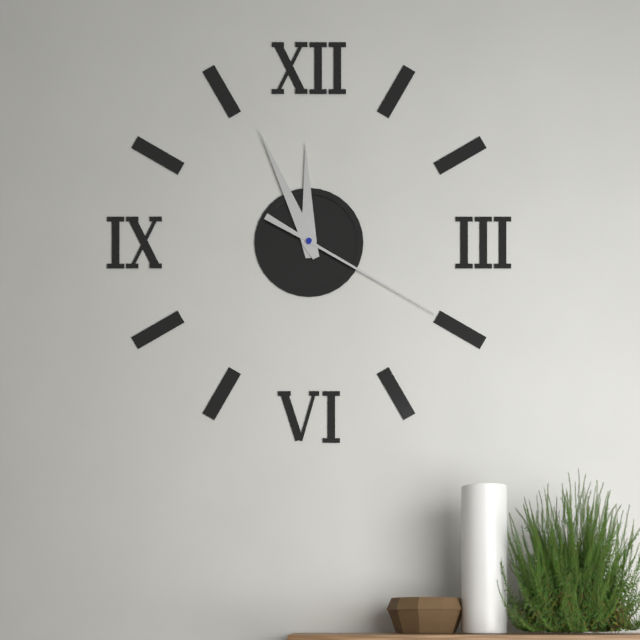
11,56,20
